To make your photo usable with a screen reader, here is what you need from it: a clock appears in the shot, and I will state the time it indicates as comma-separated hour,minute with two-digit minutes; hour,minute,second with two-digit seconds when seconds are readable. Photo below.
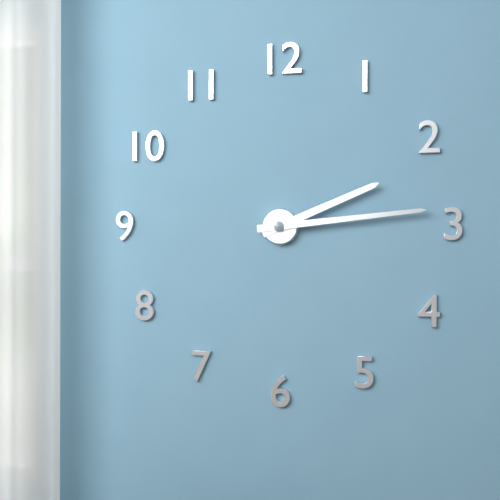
2,14
